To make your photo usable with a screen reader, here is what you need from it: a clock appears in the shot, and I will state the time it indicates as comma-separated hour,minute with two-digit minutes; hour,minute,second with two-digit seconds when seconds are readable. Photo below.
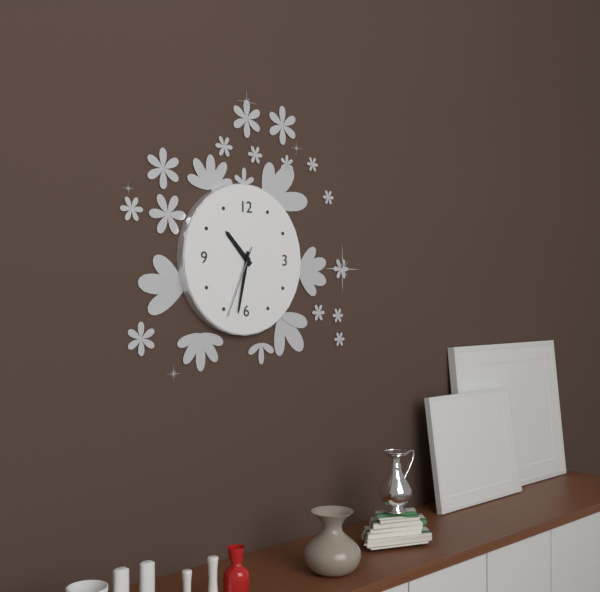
10,32,34
